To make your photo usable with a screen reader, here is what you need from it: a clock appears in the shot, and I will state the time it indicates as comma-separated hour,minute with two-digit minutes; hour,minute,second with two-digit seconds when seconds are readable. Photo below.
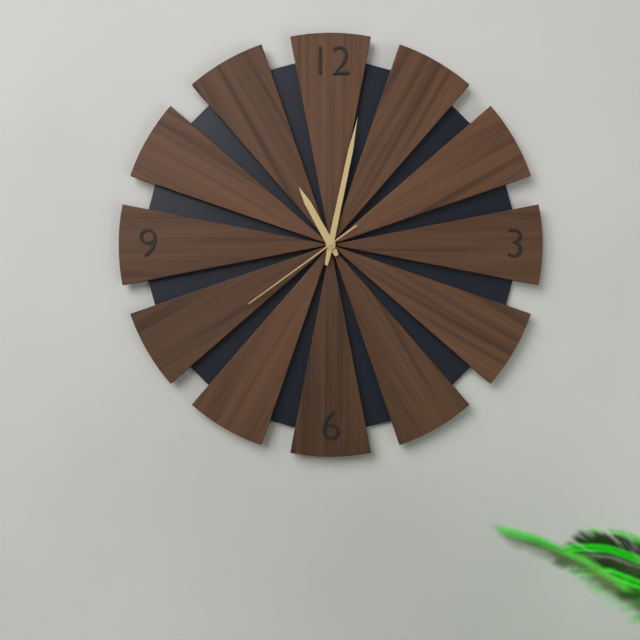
11,02,39
